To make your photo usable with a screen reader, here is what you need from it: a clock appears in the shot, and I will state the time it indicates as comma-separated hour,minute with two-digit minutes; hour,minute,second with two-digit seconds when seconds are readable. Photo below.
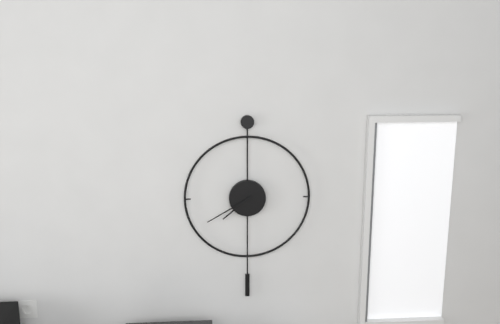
7,40
